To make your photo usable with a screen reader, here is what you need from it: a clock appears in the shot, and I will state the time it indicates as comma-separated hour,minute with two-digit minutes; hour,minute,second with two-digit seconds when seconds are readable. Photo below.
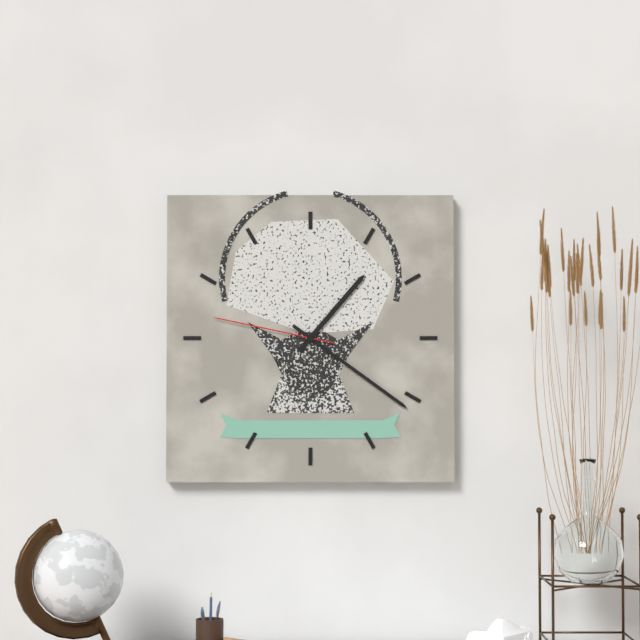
1,21,47
